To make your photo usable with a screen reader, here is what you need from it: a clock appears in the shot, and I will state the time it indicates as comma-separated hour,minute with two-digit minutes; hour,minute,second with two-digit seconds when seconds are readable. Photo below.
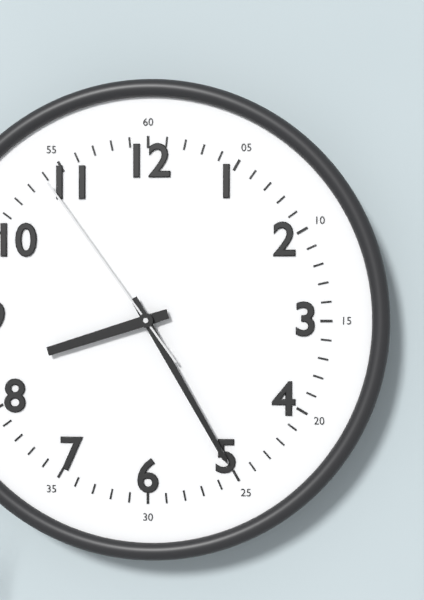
8,25,54
